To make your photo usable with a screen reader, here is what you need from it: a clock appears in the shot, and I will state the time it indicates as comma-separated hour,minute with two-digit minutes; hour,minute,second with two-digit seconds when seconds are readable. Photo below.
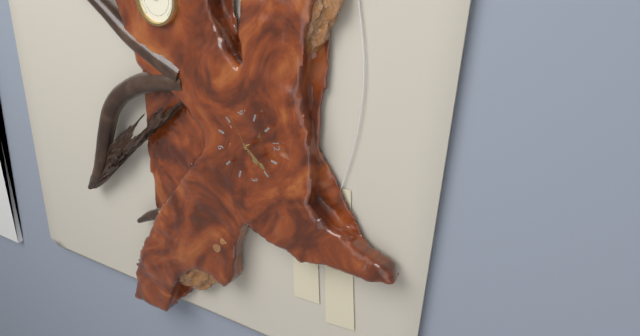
2,09
